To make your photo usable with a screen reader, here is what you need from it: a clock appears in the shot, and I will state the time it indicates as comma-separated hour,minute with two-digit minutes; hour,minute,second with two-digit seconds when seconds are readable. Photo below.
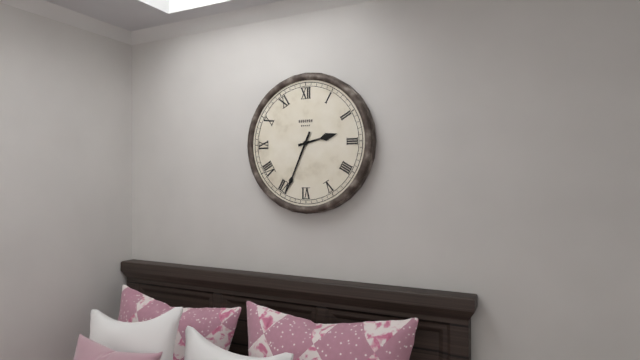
2,34
